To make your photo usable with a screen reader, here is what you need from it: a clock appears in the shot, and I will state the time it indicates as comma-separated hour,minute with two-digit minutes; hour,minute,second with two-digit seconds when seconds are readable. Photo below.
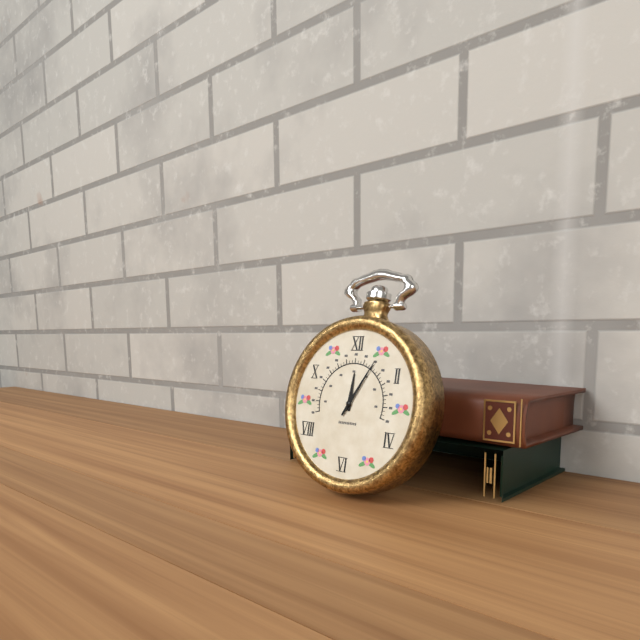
12,05
